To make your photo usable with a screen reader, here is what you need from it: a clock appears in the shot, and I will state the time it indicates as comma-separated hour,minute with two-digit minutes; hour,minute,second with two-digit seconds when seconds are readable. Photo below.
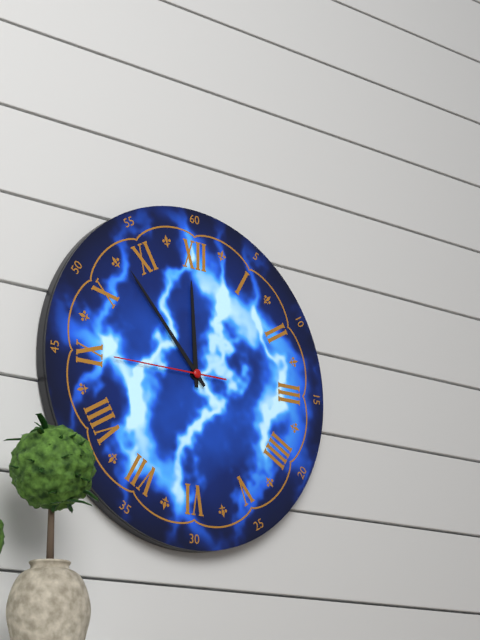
11,53,45
